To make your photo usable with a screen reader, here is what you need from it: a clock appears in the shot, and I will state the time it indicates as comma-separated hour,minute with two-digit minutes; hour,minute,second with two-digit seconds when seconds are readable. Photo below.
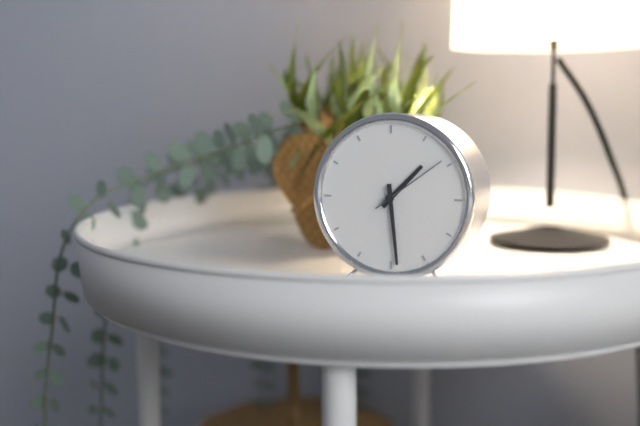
1,29,09
